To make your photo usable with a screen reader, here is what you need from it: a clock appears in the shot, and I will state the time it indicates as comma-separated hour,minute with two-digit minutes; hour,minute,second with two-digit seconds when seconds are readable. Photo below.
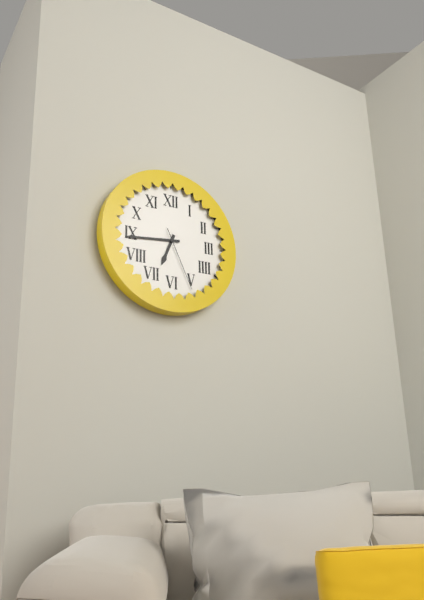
6,44,26
